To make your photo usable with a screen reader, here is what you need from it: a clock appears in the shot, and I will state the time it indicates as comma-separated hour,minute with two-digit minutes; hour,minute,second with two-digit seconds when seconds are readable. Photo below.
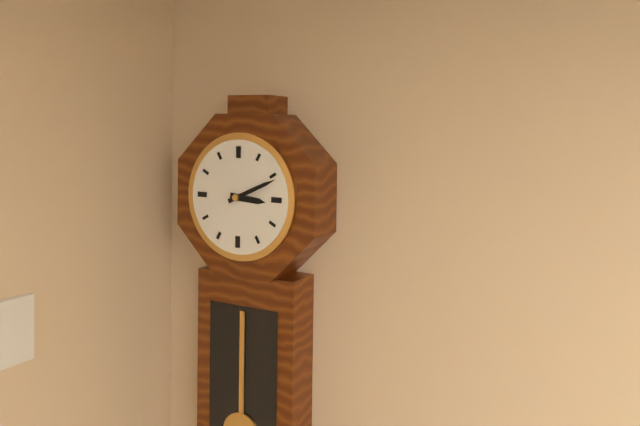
3,11
